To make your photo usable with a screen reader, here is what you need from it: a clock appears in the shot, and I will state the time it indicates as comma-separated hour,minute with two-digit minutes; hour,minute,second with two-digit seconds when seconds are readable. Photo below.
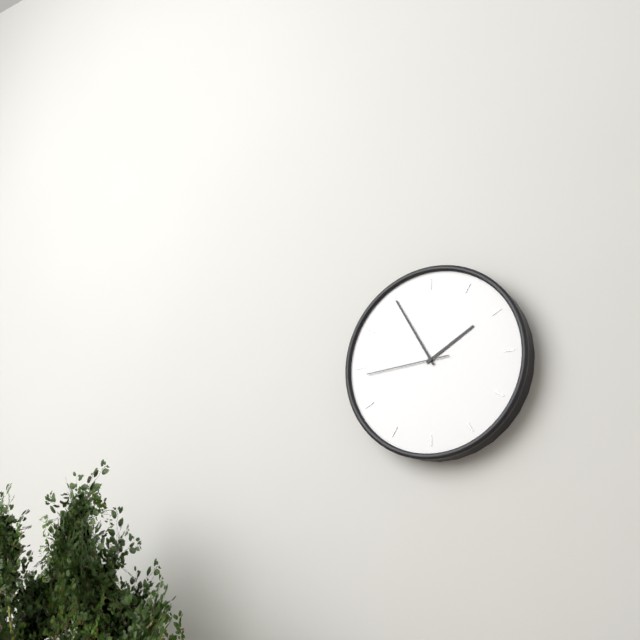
1,55,44
